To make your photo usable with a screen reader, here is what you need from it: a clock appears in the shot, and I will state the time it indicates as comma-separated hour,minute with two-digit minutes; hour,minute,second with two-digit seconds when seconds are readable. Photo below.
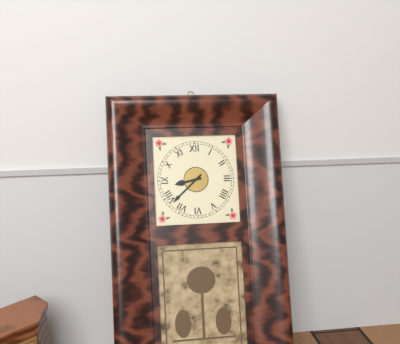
8,38
